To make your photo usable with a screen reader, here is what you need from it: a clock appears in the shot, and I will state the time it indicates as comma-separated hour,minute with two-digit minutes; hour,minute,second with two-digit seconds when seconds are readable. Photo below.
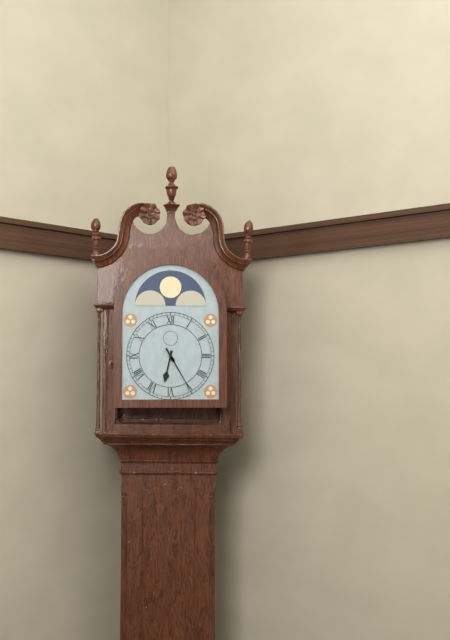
6,25
